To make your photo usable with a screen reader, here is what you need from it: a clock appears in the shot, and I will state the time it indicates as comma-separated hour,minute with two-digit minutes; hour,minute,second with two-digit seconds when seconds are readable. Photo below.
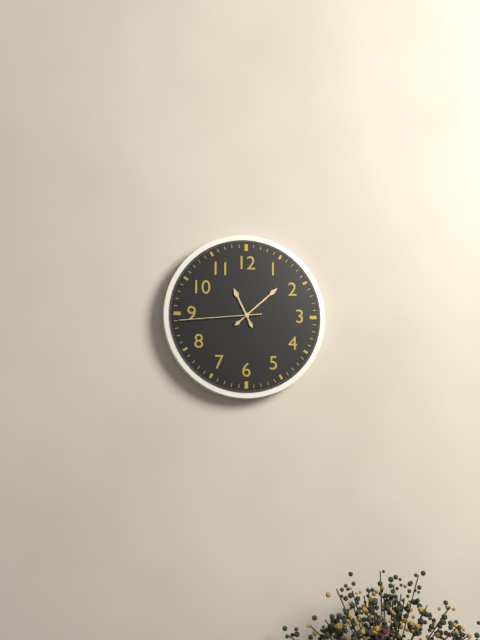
11,08,44
